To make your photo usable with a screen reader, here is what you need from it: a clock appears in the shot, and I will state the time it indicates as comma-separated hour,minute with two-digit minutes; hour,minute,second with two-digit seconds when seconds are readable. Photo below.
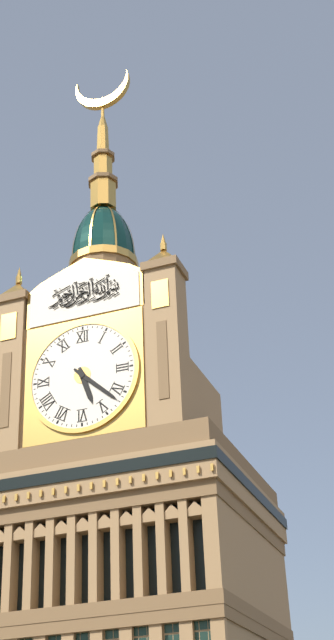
5,22
